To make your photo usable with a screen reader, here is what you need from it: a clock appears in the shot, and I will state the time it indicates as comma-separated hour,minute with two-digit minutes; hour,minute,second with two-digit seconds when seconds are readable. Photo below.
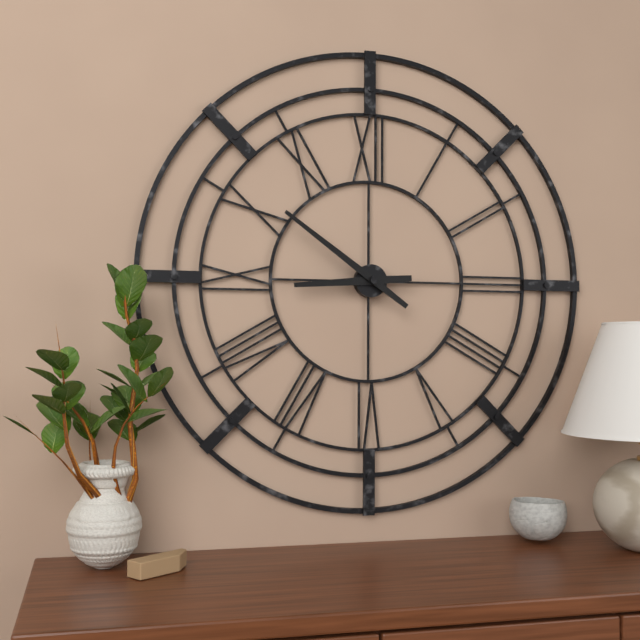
8,51
